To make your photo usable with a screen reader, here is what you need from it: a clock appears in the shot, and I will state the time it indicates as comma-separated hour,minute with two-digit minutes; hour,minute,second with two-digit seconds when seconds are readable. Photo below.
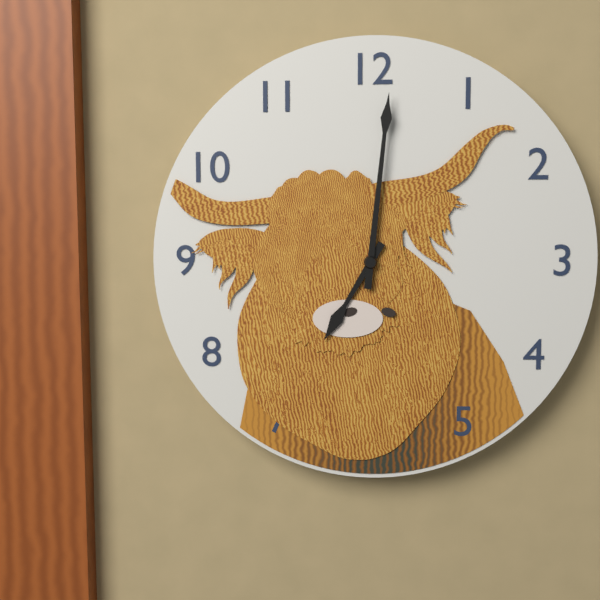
7,01
